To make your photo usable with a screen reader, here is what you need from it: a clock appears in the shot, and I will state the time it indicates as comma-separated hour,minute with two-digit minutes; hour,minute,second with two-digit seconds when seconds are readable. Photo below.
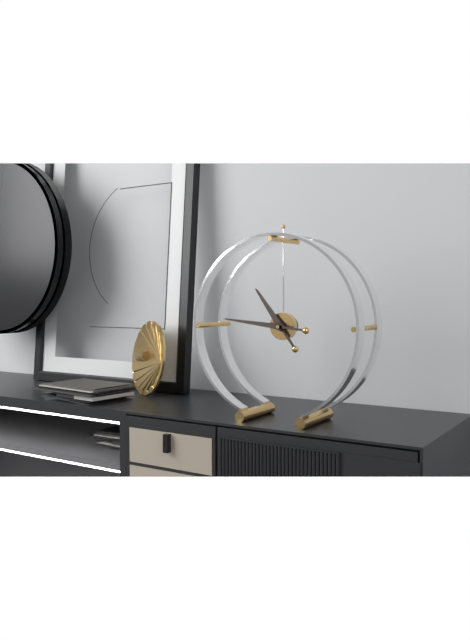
10,46
